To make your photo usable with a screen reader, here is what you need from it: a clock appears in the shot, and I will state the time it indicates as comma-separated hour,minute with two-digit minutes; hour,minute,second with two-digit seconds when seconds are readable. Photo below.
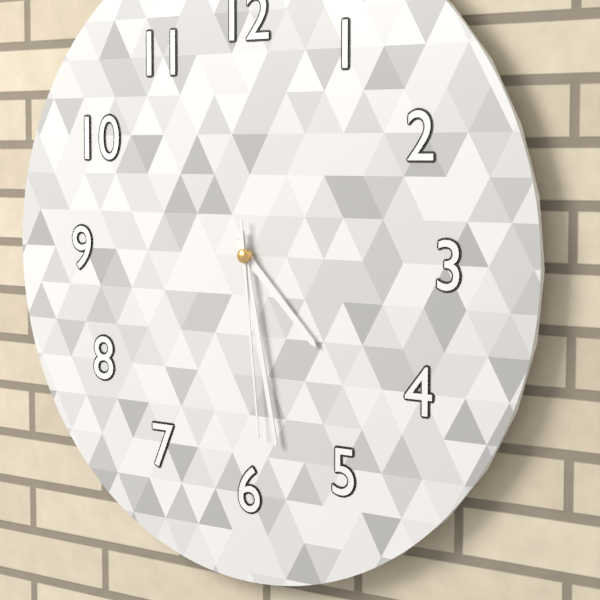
4,28,29
